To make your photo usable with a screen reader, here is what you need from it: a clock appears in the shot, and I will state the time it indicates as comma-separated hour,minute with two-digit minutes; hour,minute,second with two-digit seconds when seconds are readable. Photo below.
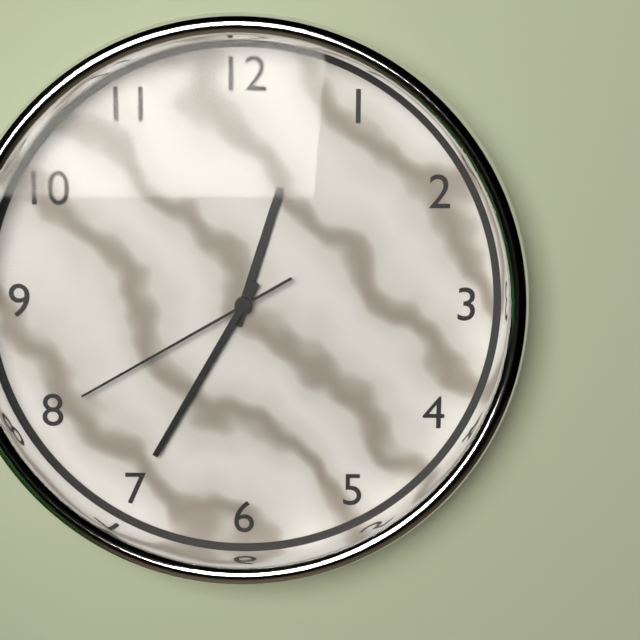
12,35,40
